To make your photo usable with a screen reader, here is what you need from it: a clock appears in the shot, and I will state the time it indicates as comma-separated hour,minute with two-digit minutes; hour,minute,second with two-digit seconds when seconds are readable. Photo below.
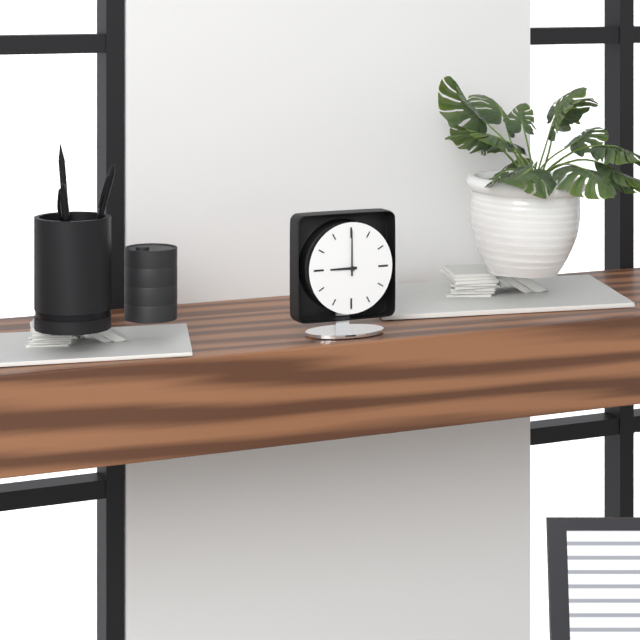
9,00
